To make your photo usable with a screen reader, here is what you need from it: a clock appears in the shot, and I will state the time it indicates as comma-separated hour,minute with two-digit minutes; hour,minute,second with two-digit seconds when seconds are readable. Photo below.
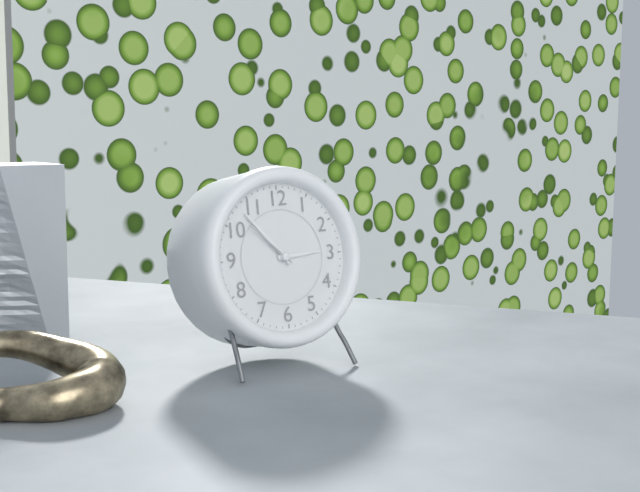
2,53,52
